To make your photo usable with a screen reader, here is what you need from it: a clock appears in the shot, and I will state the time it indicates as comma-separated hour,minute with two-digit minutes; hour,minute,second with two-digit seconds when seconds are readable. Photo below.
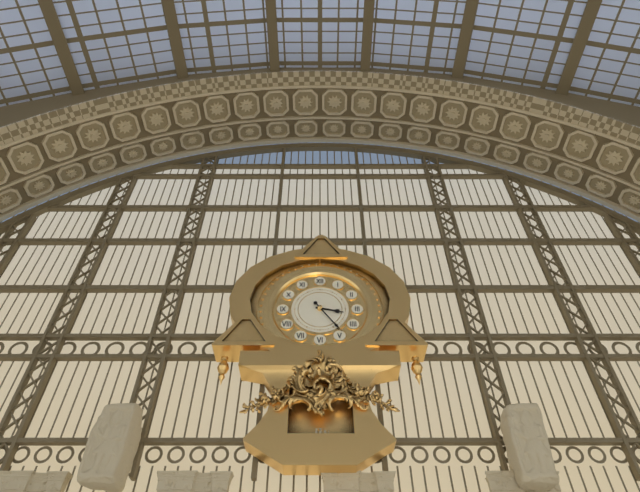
3,24
